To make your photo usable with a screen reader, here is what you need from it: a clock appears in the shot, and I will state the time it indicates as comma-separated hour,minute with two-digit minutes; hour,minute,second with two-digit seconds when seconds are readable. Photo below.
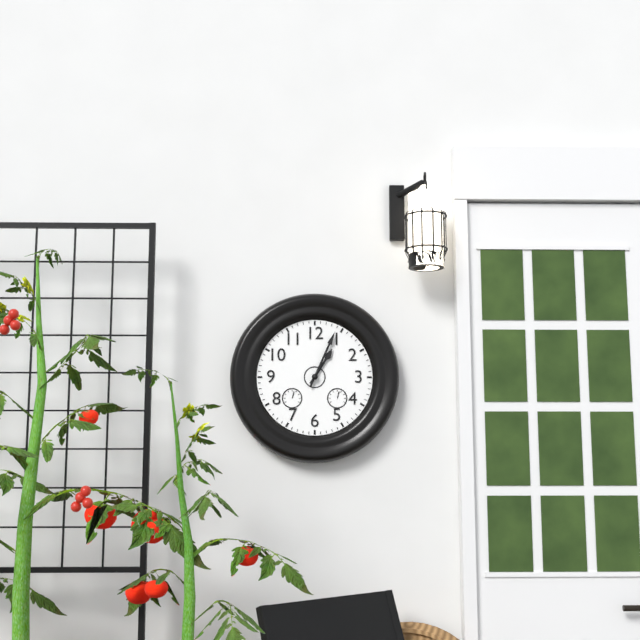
1,04
